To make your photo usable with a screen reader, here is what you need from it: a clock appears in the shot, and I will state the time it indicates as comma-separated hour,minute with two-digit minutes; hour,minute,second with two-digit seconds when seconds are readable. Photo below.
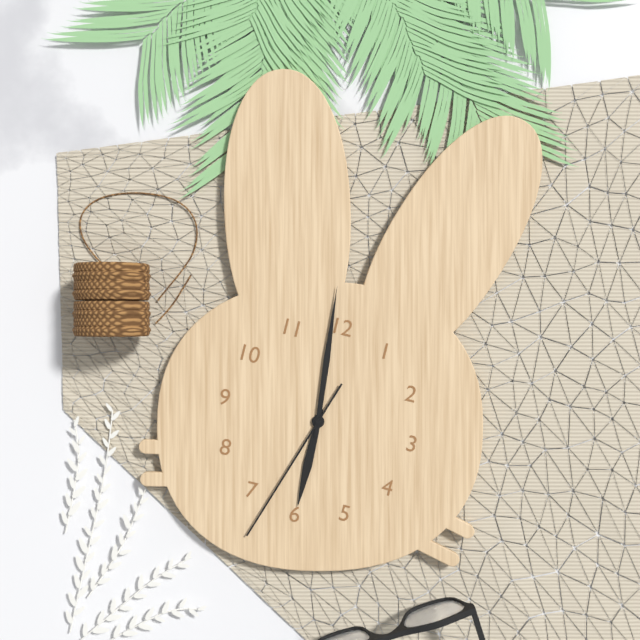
5,59,33
